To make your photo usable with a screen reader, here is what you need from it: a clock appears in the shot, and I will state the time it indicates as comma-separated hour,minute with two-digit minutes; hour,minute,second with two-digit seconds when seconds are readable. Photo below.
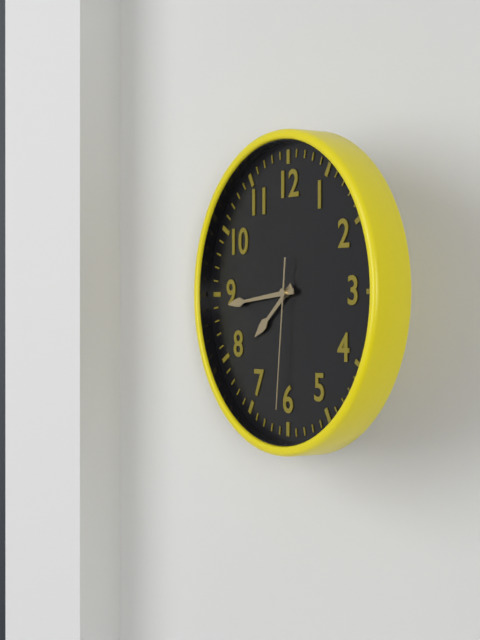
7,44,31
